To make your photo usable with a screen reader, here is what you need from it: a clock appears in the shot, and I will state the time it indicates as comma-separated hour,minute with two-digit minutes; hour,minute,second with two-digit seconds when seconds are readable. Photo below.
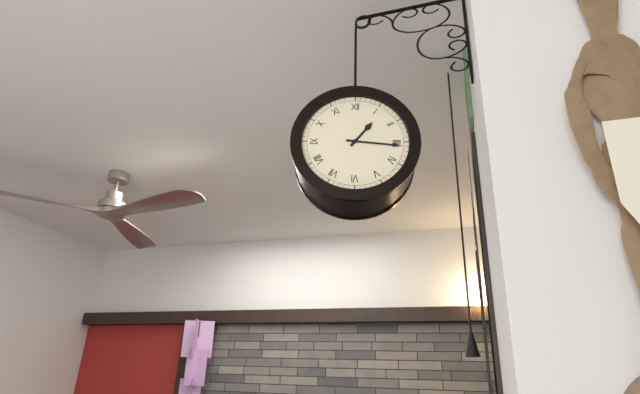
1,16
